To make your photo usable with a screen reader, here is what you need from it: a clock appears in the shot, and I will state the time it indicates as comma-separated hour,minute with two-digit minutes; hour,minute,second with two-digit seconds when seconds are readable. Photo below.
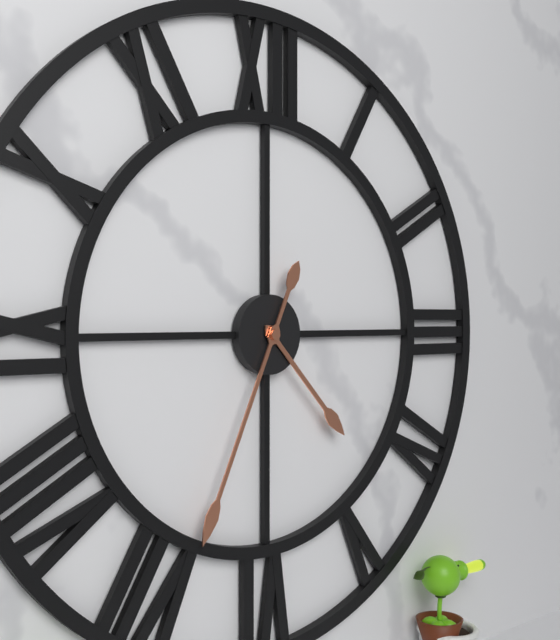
4,34
